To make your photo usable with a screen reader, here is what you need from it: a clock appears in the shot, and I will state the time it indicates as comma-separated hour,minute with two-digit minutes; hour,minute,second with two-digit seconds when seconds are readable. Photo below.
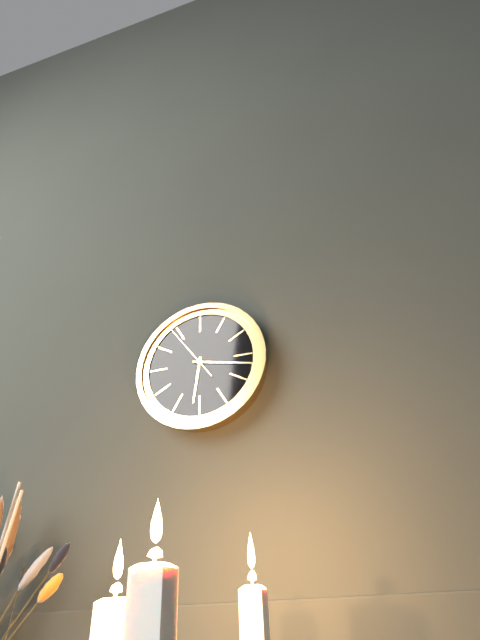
6,17,54
